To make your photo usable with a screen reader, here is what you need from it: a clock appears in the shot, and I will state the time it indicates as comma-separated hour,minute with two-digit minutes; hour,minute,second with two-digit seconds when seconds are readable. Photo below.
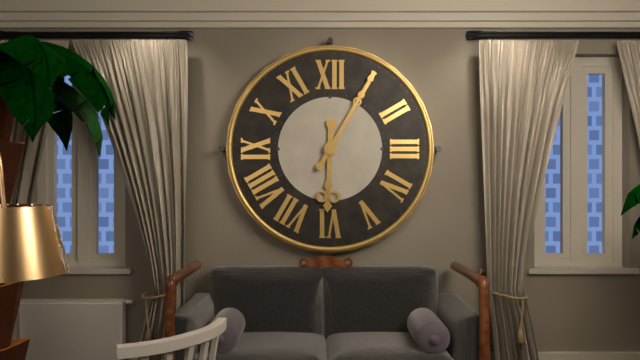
6,05
